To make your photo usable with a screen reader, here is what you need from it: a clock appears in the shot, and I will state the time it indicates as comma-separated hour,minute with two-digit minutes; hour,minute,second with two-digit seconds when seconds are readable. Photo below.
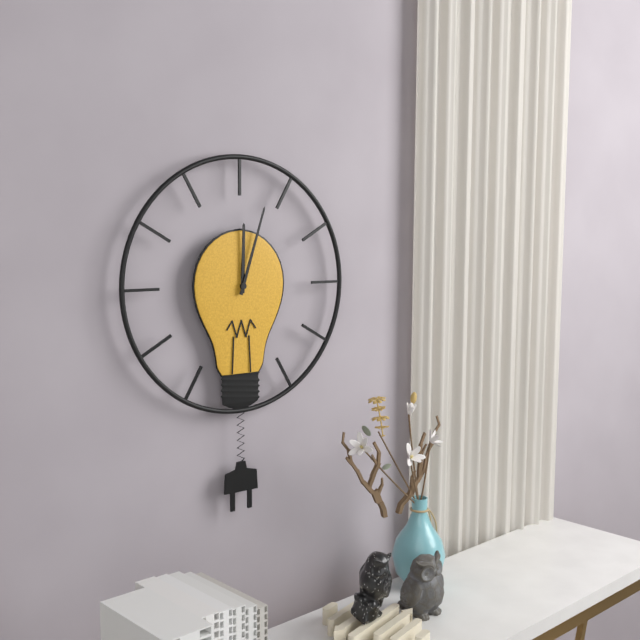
12,03
